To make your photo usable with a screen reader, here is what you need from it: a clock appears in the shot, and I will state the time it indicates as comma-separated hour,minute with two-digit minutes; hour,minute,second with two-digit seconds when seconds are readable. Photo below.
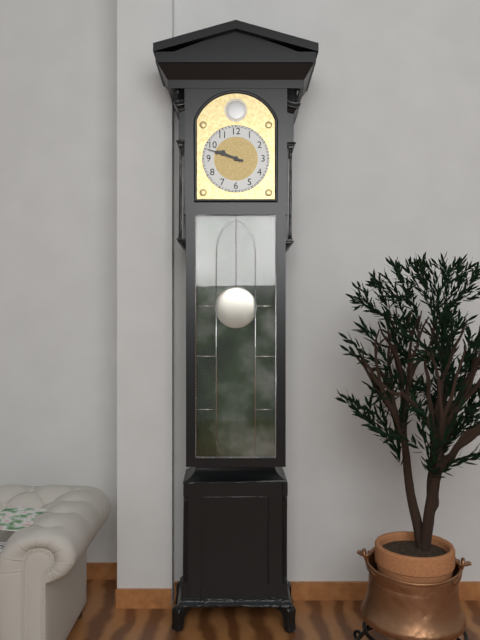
9,48
